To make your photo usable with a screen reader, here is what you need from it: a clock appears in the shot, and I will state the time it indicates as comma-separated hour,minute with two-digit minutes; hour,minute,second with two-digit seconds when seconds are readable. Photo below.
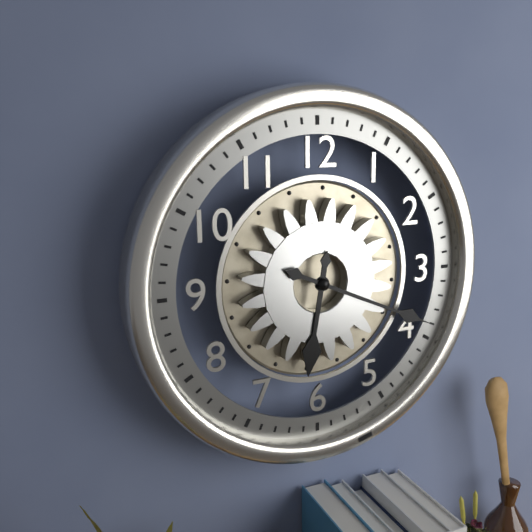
6,19
